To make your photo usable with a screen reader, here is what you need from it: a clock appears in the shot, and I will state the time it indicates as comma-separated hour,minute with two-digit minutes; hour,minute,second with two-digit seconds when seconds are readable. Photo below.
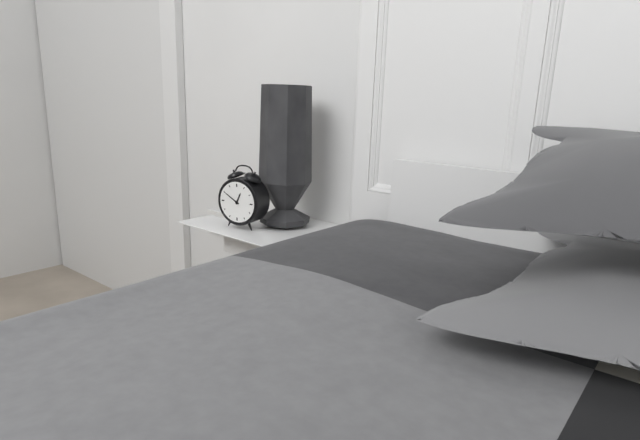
12,50
